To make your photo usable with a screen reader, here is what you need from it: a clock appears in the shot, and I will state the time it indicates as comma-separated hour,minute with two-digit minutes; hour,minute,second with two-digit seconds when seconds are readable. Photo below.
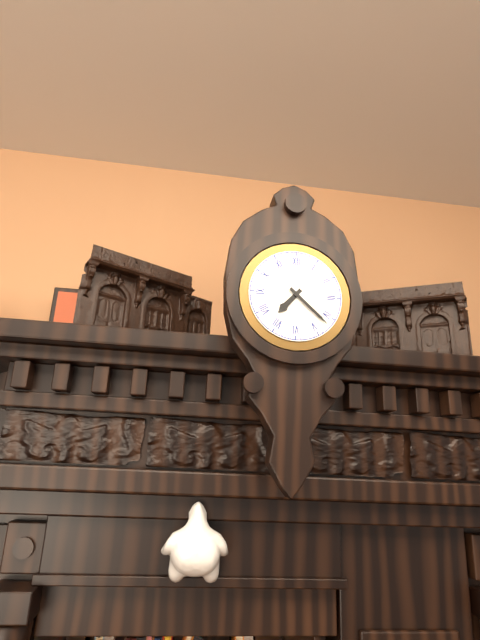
7,22
